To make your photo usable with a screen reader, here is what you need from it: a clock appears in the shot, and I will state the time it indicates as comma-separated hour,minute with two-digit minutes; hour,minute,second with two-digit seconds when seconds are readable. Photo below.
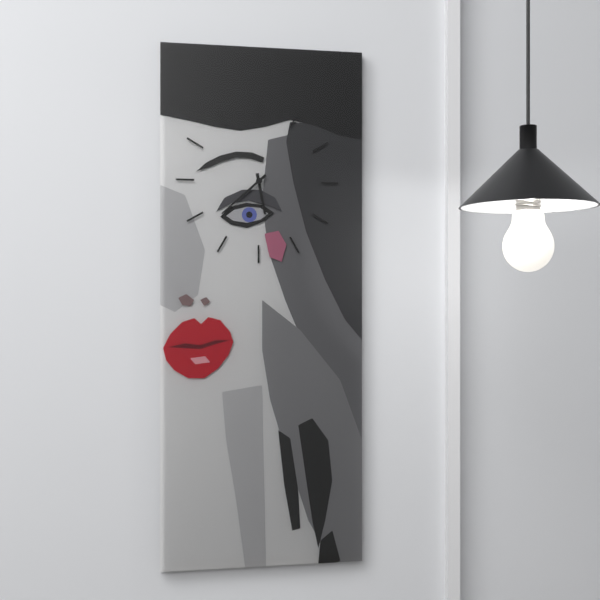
5,38
